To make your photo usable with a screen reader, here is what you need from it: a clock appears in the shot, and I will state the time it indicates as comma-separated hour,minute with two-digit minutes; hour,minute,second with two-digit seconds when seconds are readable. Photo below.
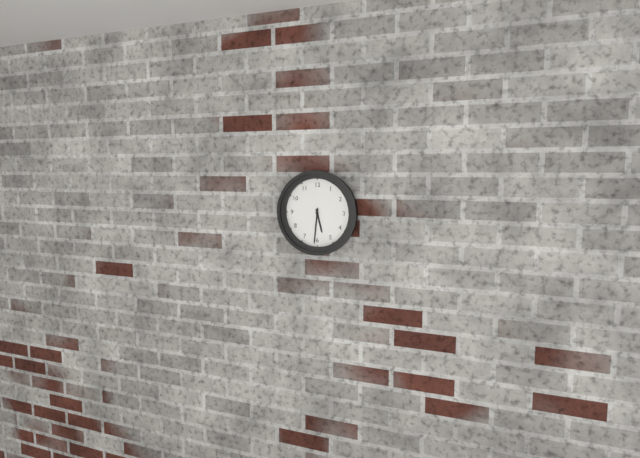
5,31
